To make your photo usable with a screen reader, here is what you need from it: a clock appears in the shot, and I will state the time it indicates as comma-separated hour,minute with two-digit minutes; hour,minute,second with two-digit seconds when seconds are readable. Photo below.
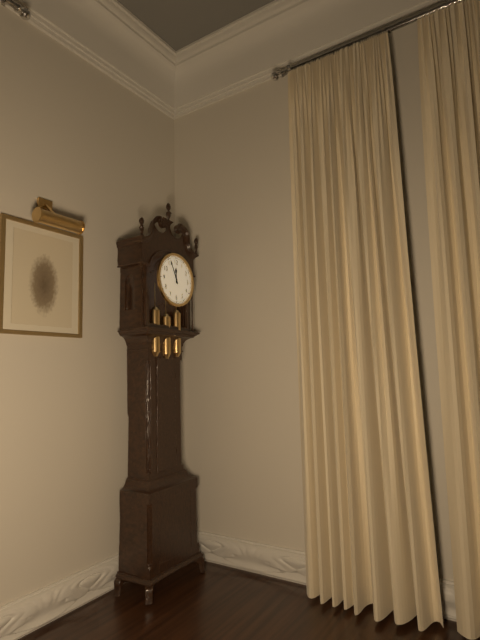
11,56
